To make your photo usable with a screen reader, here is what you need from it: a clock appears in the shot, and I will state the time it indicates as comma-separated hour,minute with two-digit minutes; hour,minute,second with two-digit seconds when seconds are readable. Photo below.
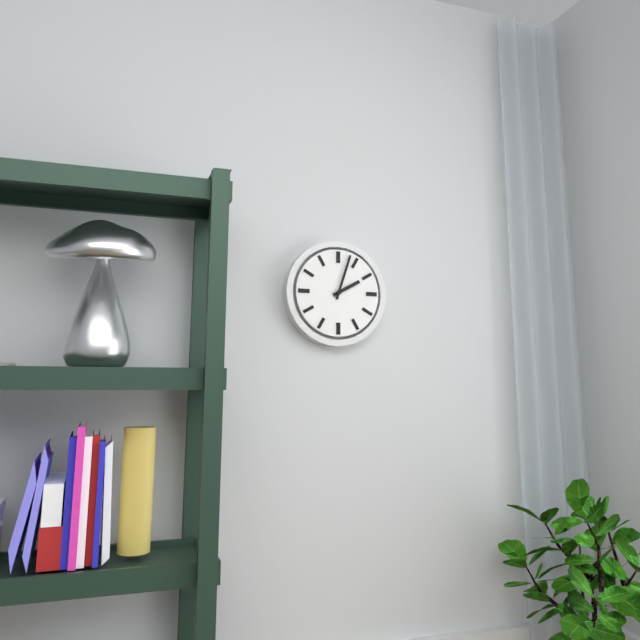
2,03
